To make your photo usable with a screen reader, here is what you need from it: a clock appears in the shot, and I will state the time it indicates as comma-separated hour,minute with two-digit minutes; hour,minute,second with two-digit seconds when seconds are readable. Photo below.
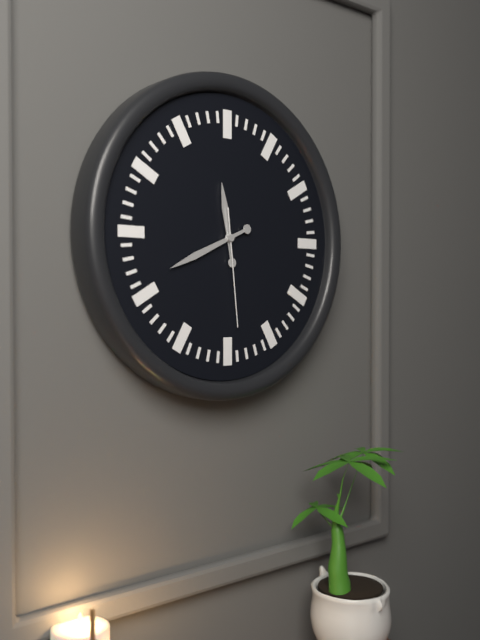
11,41,29
